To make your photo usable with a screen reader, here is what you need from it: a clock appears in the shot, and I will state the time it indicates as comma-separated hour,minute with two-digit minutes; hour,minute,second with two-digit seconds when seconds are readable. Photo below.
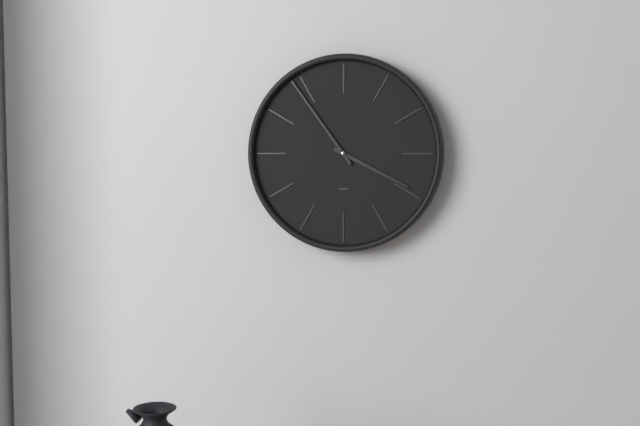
3,54
